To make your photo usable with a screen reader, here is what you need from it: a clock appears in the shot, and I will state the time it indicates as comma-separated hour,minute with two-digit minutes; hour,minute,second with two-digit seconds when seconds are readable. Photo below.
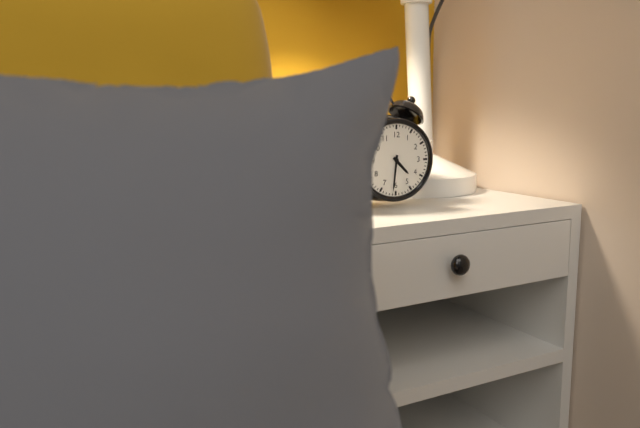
4,31
